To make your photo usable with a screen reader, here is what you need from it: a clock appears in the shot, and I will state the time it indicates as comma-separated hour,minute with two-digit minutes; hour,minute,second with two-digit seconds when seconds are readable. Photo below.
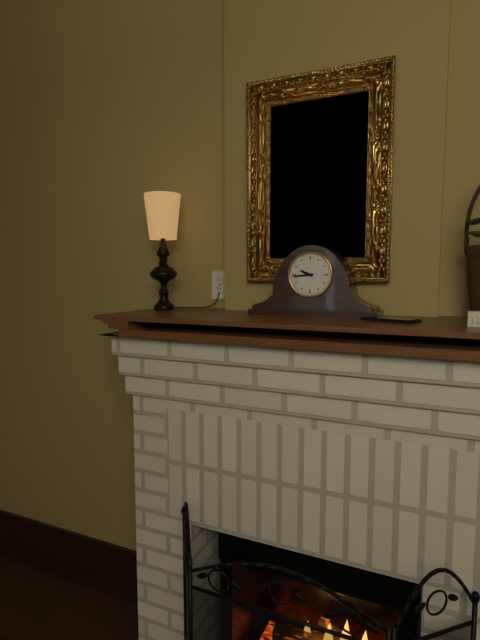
9,44
